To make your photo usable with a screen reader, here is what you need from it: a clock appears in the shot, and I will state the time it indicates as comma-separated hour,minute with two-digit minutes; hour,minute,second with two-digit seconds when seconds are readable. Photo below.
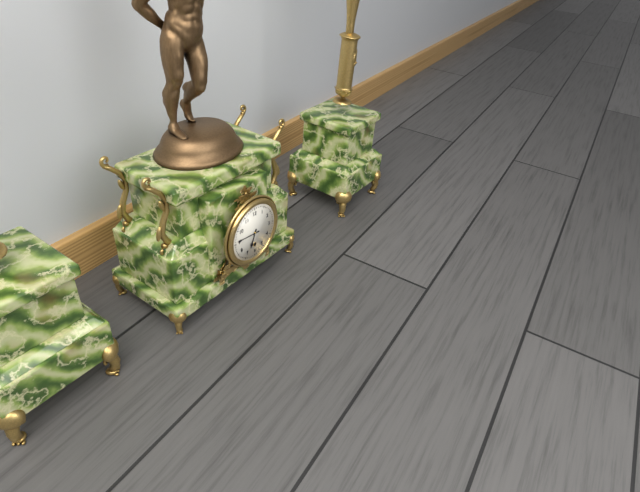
6,46
